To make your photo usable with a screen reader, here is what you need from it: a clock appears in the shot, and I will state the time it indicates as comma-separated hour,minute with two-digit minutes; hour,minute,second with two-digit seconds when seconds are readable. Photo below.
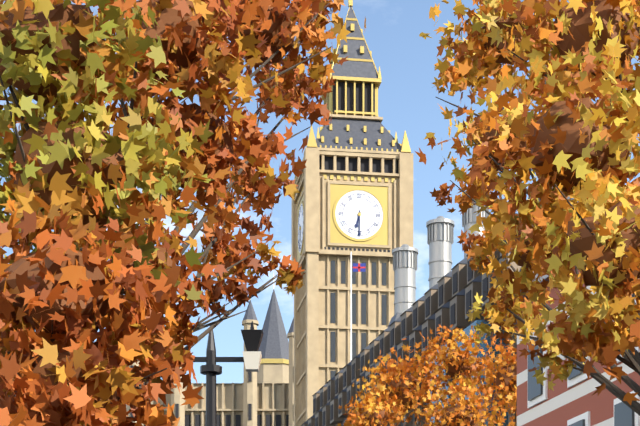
6,30
